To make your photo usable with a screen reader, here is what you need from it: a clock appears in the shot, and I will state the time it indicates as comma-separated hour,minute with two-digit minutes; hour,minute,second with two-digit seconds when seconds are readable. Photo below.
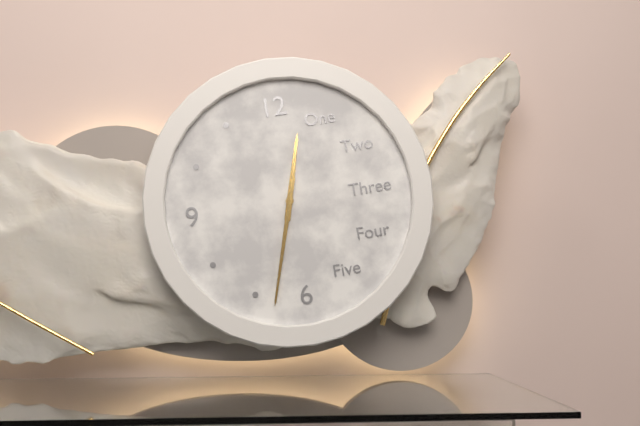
12,33
